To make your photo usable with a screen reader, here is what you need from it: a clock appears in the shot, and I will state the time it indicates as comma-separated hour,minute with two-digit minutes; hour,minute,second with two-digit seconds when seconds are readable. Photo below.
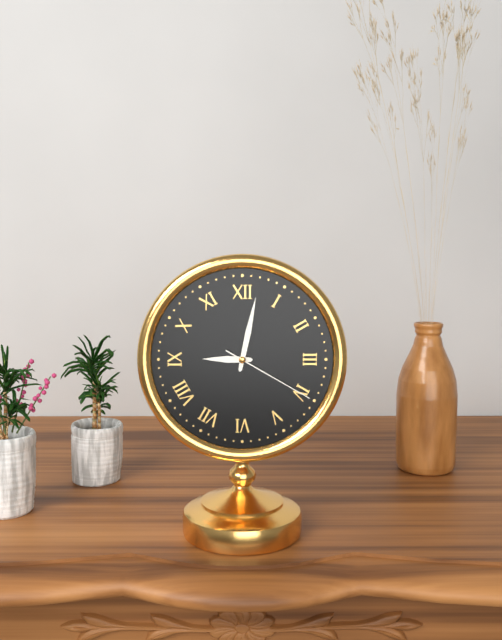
9,02,20
